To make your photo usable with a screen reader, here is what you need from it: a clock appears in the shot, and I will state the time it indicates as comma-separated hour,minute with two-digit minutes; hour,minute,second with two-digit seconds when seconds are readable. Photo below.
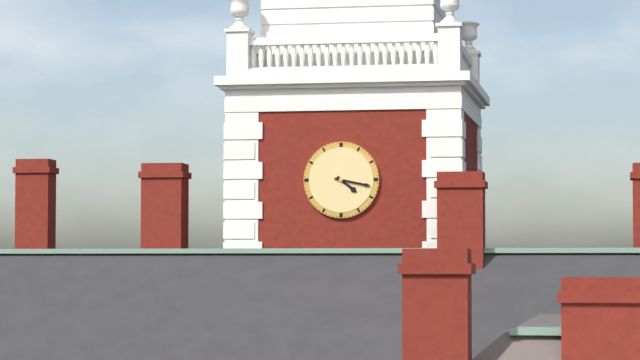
4,17
